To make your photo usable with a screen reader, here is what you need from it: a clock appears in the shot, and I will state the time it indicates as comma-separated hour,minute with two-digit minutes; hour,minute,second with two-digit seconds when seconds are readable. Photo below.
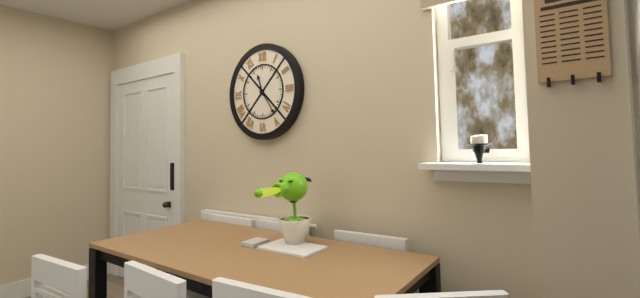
11,24
